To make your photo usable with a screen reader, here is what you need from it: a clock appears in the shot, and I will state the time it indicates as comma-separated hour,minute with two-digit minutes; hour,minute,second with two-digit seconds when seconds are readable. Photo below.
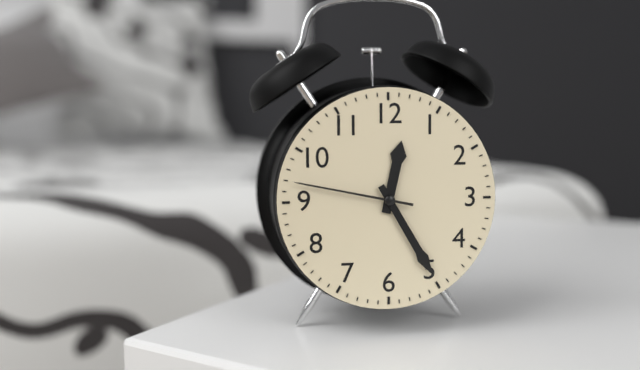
12,25,47
